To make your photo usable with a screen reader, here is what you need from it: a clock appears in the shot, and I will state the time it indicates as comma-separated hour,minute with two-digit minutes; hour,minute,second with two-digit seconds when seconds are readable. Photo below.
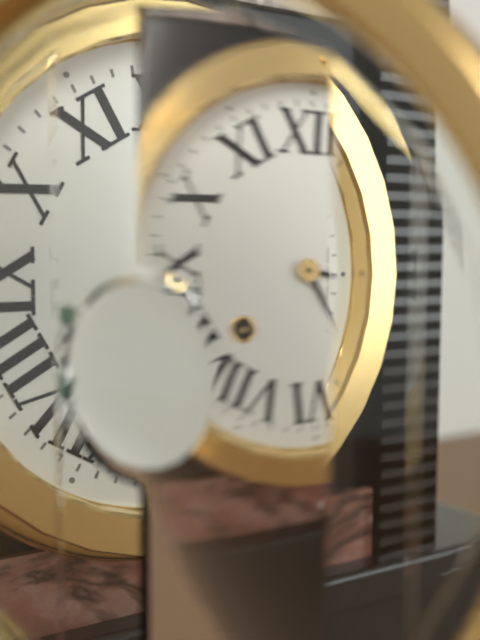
3,25
